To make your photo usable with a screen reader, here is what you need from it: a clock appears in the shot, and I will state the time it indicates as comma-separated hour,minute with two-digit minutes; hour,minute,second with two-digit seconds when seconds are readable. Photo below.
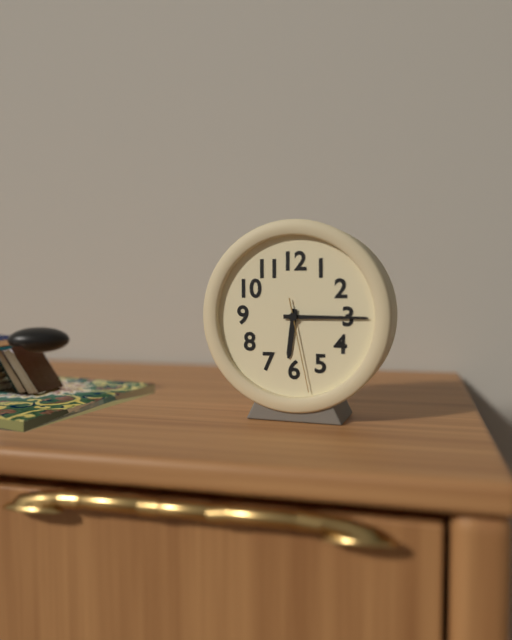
6,15,28
